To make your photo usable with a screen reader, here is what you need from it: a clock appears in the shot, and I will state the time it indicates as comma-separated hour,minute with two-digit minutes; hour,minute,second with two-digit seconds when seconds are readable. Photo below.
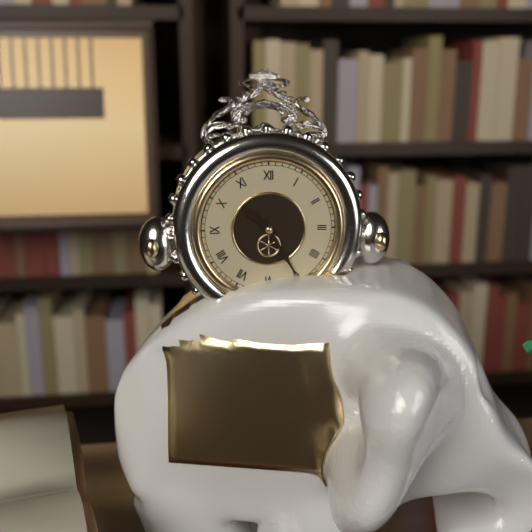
10,25
